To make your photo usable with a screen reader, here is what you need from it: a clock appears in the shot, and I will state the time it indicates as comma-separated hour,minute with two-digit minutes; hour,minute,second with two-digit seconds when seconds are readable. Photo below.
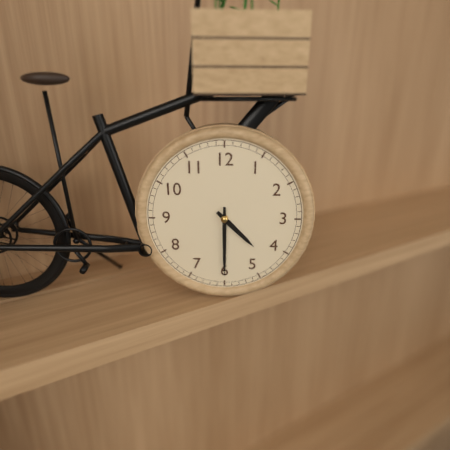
4,30
